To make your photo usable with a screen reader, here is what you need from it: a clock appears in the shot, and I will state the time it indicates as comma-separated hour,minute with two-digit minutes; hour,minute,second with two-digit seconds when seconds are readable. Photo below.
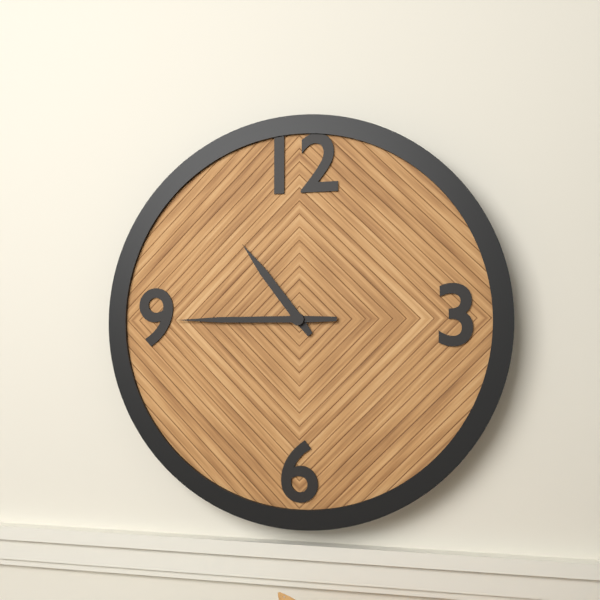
10,45
